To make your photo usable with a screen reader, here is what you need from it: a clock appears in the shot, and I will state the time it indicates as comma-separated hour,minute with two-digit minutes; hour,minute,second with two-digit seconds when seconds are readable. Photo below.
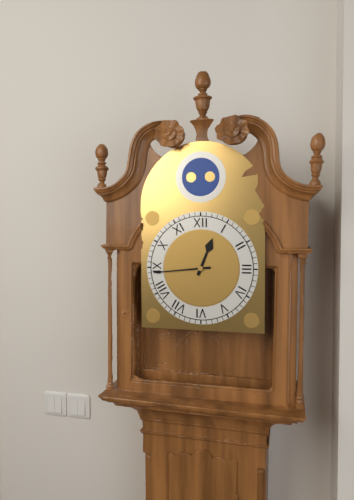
12,44
